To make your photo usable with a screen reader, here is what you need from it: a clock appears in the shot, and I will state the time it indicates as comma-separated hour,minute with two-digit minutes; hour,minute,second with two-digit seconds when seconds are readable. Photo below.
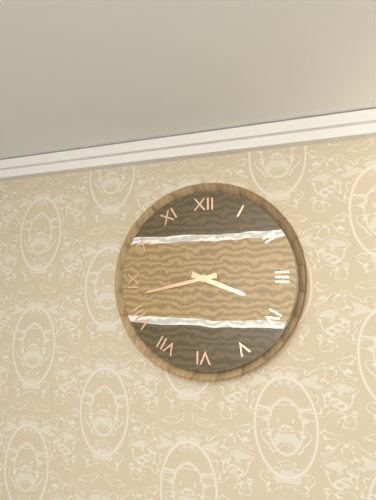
3,43
